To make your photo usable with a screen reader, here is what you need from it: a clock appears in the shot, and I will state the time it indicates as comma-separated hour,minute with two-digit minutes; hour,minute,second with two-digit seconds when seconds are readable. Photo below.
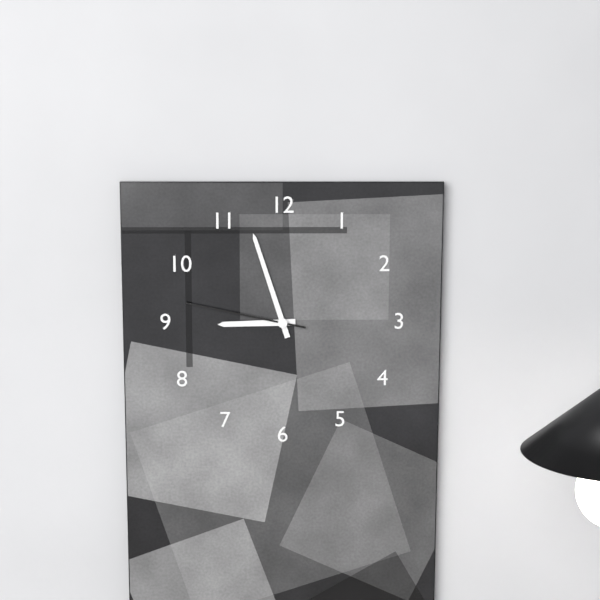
8,57,47
